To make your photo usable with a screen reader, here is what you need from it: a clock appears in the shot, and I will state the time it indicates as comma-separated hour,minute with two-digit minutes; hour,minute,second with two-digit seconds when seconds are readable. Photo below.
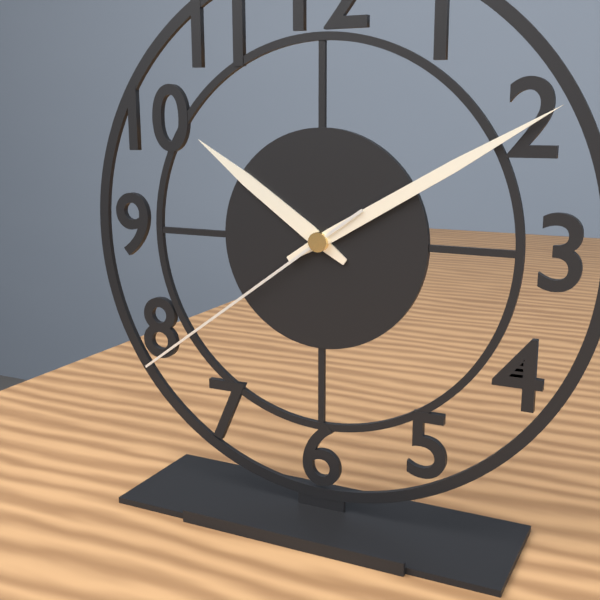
10,10,39
